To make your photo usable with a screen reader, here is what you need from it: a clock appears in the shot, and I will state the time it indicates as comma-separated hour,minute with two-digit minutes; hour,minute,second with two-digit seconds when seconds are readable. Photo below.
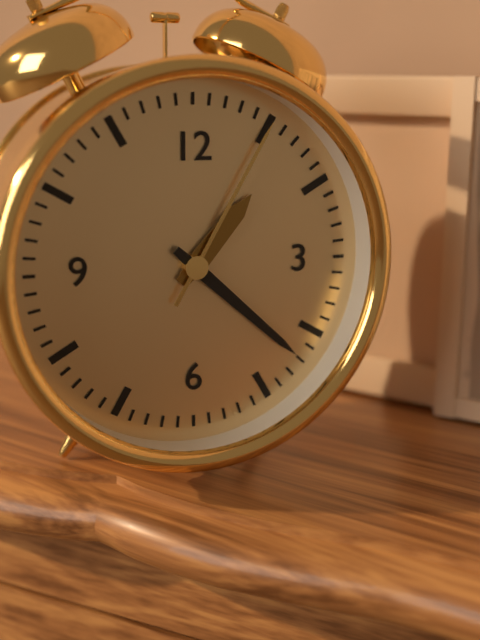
1,22,05
